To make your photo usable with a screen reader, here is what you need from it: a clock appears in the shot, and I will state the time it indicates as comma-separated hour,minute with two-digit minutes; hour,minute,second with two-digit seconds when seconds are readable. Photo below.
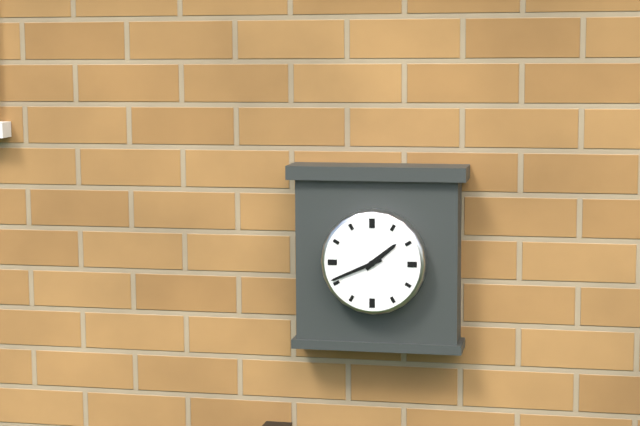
1,41
